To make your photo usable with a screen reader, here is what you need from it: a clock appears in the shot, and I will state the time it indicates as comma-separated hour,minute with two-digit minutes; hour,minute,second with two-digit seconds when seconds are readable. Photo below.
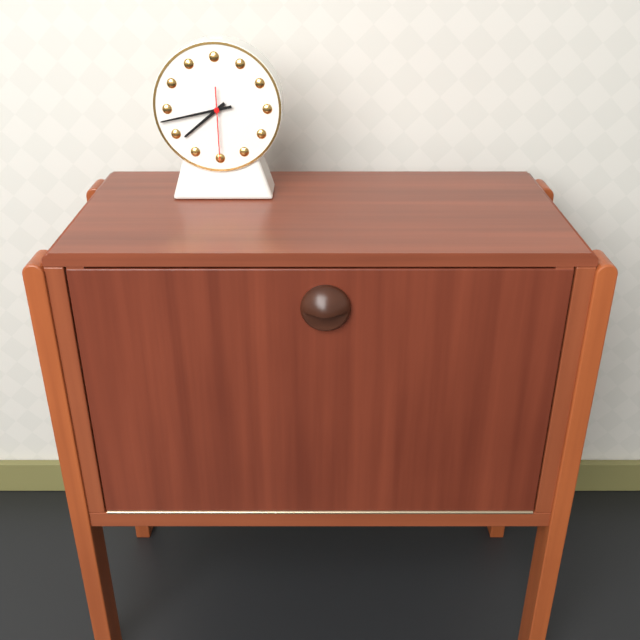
7,43,30
